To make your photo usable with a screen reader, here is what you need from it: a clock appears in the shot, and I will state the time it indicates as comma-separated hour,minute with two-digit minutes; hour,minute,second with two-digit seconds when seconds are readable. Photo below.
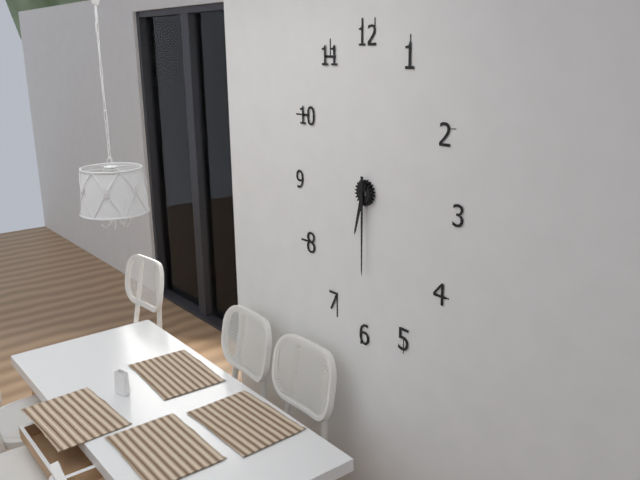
6,30
